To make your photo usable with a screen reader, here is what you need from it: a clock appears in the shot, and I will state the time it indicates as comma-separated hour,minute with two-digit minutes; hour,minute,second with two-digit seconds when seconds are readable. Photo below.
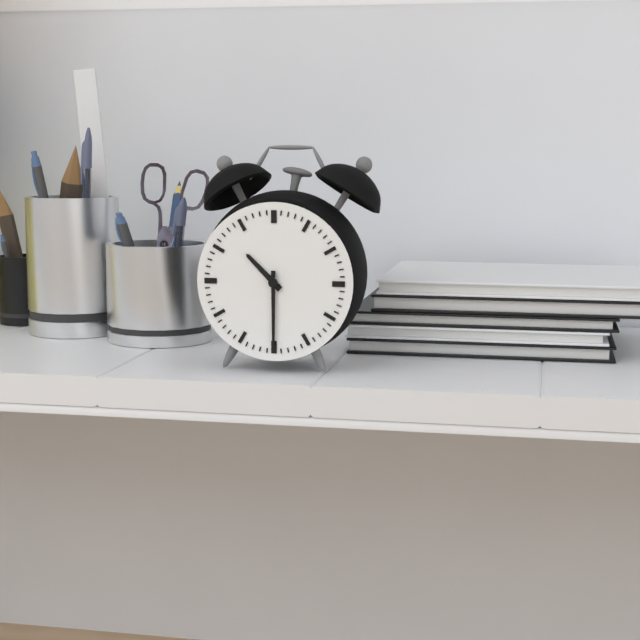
10,30
